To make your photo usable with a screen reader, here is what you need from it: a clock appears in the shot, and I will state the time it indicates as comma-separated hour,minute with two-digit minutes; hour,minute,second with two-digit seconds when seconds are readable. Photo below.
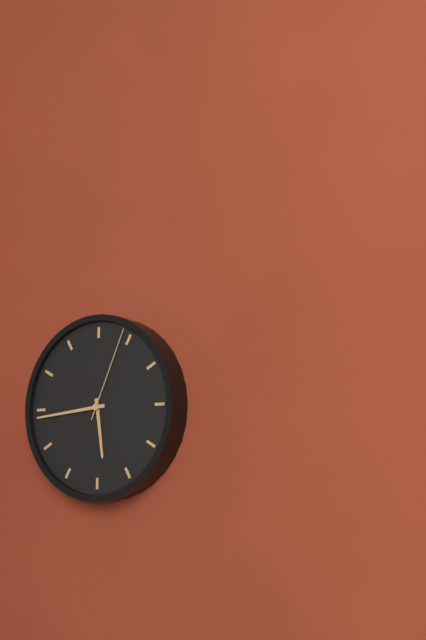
5,44,04
